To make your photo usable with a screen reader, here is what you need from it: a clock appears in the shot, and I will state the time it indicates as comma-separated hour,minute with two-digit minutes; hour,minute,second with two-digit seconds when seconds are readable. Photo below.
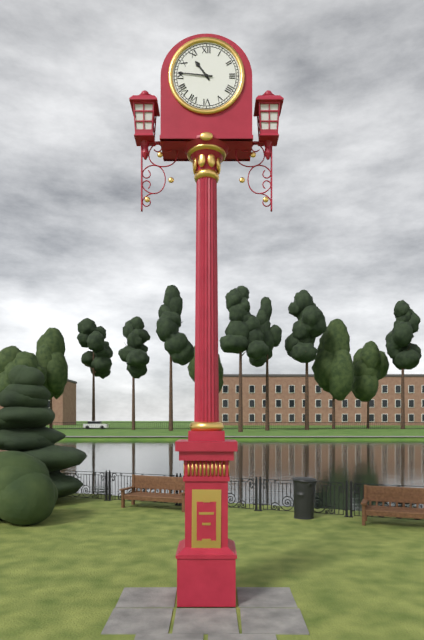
10,46
